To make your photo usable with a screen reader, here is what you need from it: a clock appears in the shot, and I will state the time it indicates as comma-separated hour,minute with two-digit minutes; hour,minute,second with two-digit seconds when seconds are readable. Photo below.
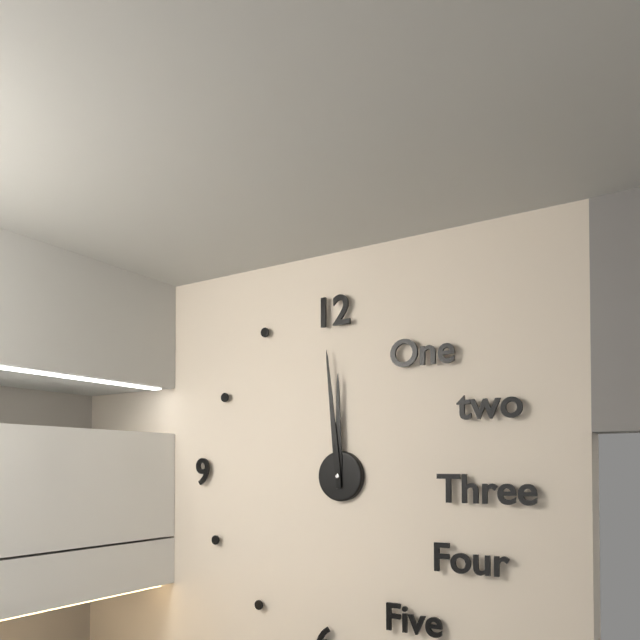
11,59
